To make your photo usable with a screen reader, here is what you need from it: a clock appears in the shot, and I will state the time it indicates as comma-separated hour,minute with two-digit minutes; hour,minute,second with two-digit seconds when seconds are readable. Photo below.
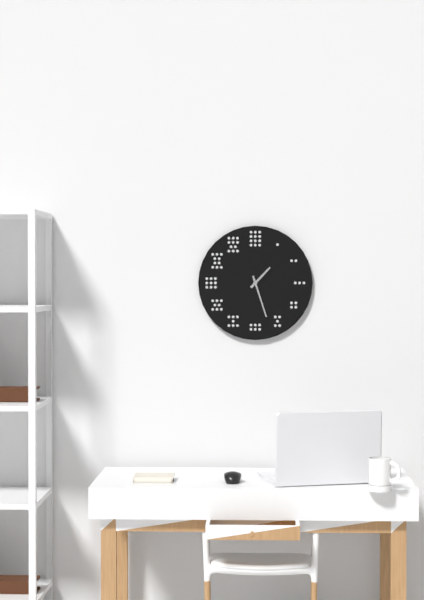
1,27
